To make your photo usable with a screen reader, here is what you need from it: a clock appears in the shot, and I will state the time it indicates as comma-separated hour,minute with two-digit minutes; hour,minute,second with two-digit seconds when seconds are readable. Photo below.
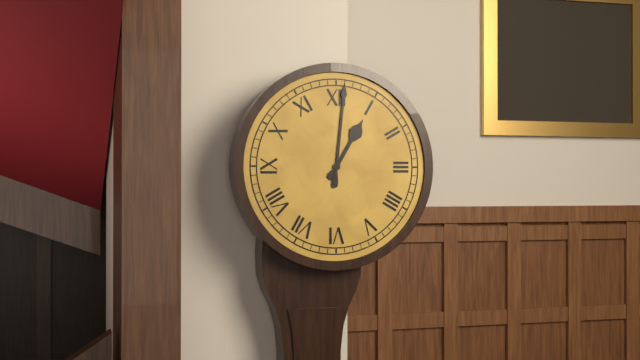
1,01
